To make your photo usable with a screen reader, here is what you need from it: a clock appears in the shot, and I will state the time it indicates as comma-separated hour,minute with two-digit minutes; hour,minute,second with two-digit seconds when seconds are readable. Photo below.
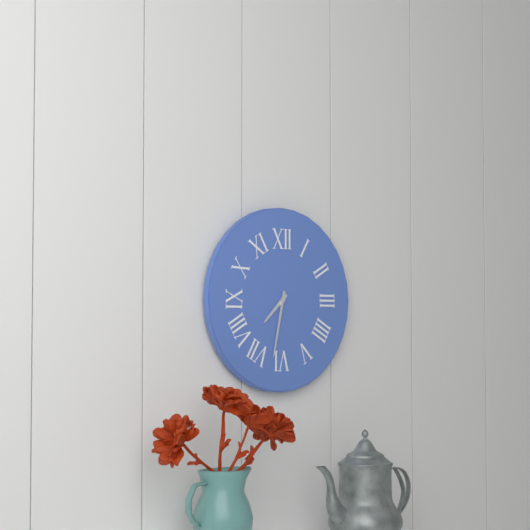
7,32
